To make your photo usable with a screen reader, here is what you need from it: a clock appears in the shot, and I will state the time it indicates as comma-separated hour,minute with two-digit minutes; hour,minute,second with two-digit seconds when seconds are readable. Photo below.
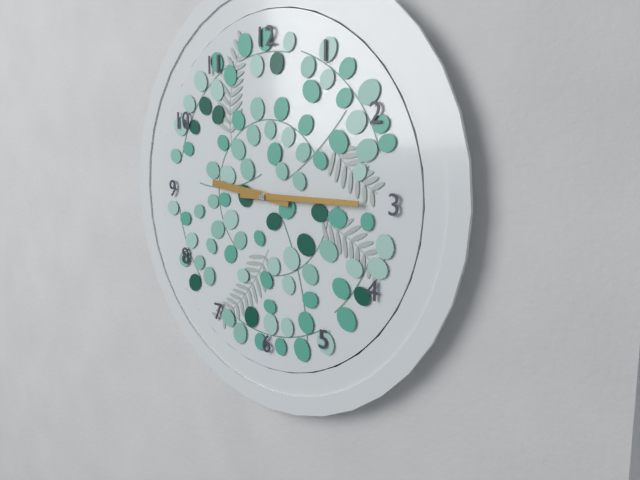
9,15
